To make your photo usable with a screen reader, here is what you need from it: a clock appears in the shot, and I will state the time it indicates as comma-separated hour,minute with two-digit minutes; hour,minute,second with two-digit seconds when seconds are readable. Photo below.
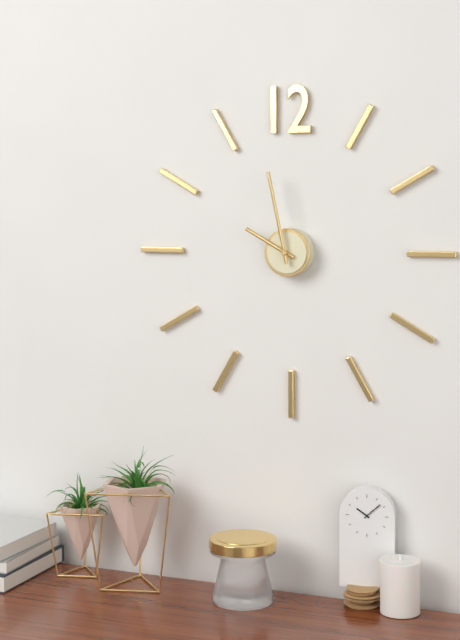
9,58
